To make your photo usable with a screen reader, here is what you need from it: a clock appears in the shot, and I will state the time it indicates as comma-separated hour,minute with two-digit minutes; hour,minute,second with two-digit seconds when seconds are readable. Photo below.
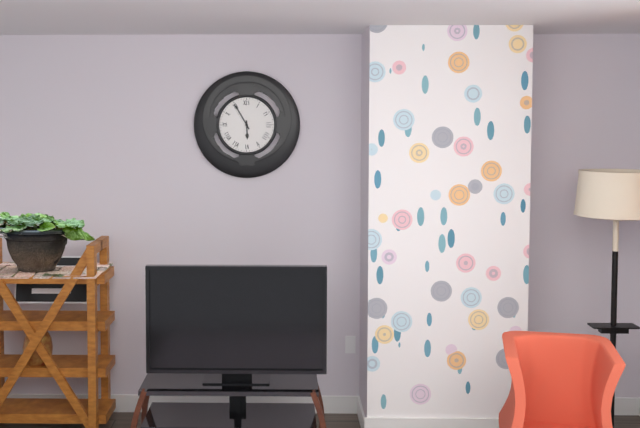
5,55
